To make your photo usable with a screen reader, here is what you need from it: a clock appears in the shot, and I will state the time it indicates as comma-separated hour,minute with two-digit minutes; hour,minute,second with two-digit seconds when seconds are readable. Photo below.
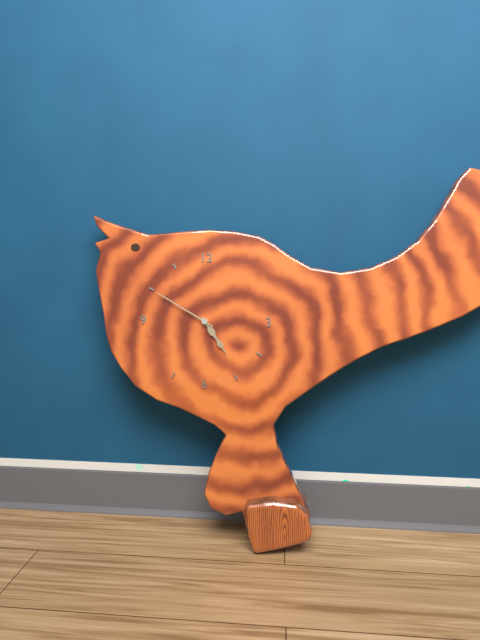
4,50
